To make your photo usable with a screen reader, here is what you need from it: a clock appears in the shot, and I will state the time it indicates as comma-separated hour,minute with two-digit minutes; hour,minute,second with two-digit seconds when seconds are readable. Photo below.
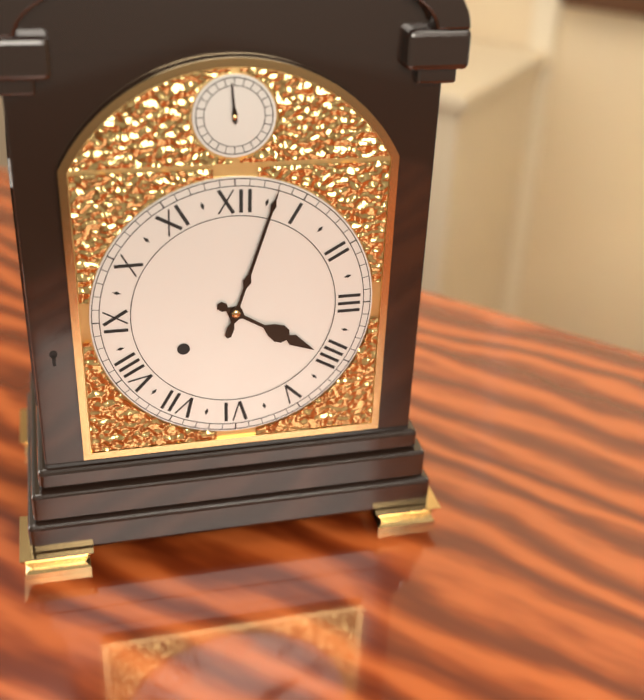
4,03
